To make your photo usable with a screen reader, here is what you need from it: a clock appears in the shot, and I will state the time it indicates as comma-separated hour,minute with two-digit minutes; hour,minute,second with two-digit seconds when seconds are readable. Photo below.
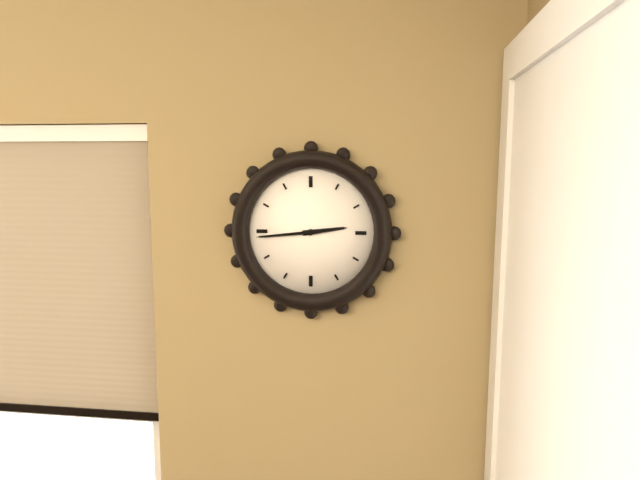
2,44
